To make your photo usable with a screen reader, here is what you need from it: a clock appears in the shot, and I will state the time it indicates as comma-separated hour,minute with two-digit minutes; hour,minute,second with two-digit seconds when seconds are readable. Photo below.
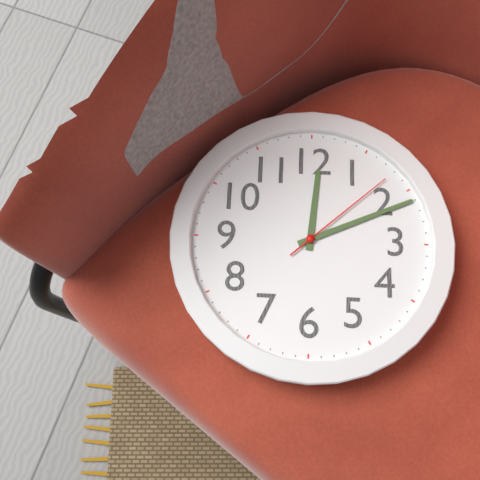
12,11,08
